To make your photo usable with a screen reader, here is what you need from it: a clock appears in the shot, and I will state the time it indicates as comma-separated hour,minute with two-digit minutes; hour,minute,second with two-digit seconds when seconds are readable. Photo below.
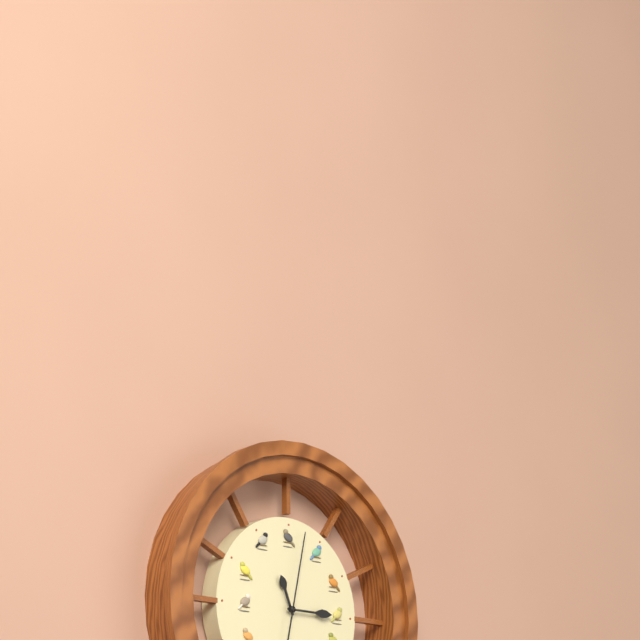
11,15,02
